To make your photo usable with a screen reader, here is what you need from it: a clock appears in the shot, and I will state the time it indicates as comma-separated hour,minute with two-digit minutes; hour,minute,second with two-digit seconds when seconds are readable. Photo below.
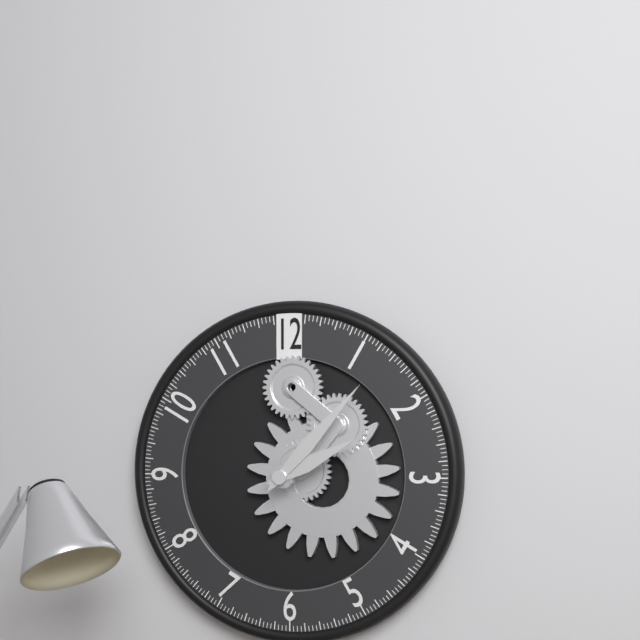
2,07
